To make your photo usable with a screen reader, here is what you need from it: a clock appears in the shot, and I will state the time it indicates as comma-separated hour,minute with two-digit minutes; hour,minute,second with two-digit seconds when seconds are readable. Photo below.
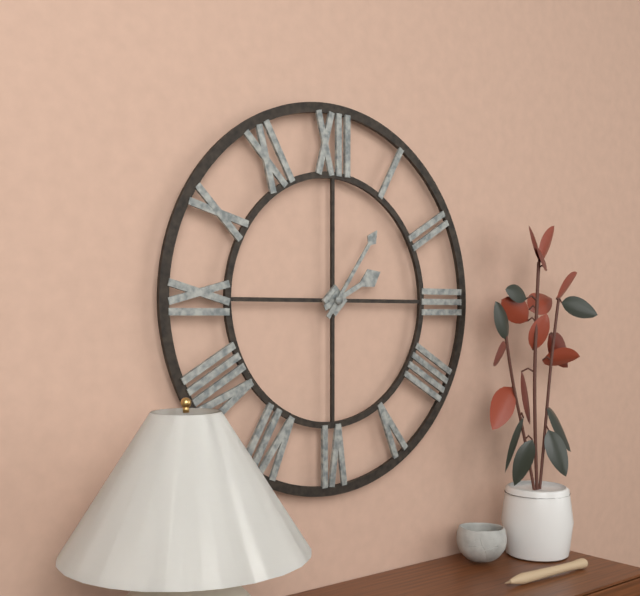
2,06
